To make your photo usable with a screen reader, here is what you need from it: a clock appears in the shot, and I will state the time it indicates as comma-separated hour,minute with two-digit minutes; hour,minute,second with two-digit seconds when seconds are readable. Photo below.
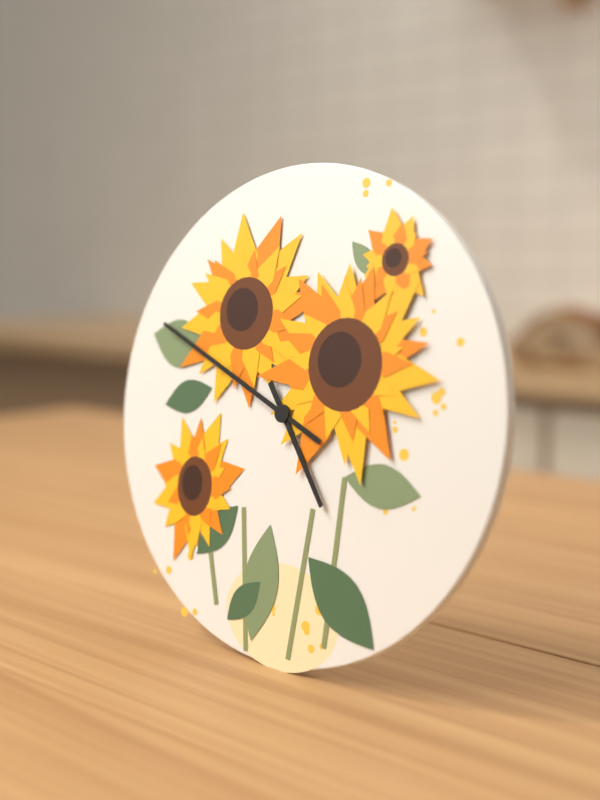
4,49
